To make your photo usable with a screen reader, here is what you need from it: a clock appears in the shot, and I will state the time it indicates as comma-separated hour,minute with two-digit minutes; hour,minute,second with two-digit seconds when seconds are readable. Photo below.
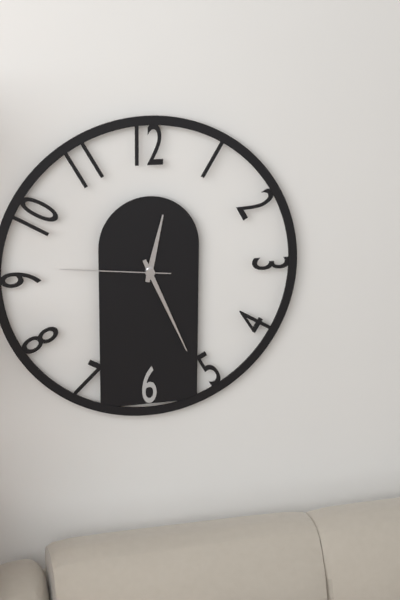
12,26,46
